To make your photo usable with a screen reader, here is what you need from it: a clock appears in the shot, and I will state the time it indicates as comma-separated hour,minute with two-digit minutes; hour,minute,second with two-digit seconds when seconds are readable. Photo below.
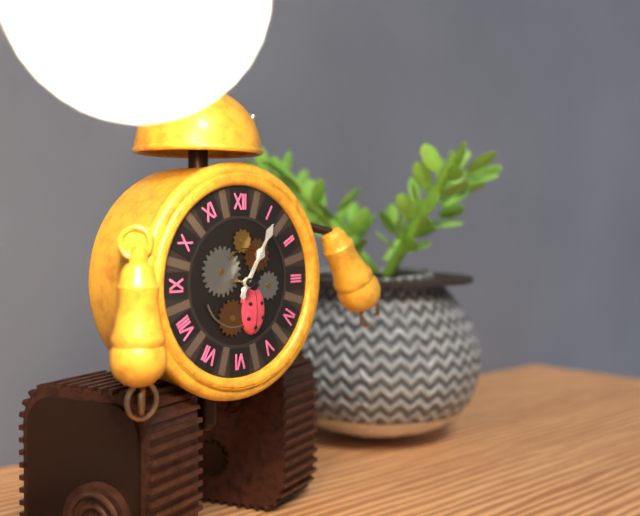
1,05
